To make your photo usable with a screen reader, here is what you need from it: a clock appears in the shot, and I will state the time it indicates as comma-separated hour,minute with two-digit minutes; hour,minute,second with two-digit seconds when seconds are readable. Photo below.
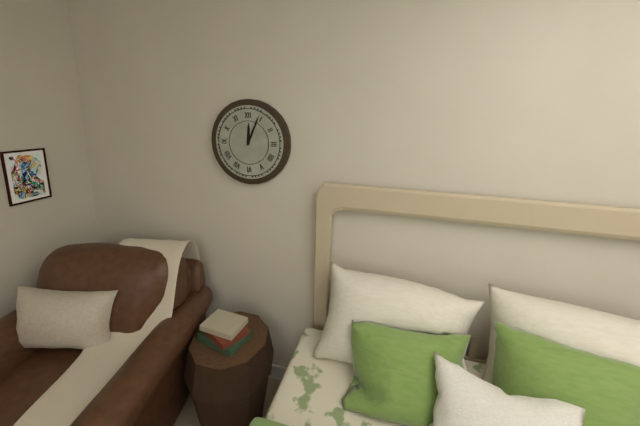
12,04
